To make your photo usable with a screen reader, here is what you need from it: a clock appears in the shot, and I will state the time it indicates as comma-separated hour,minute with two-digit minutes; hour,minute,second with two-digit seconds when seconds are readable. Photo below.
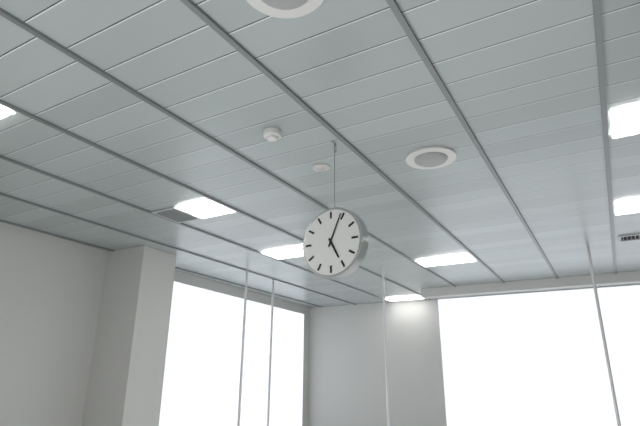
5,04
